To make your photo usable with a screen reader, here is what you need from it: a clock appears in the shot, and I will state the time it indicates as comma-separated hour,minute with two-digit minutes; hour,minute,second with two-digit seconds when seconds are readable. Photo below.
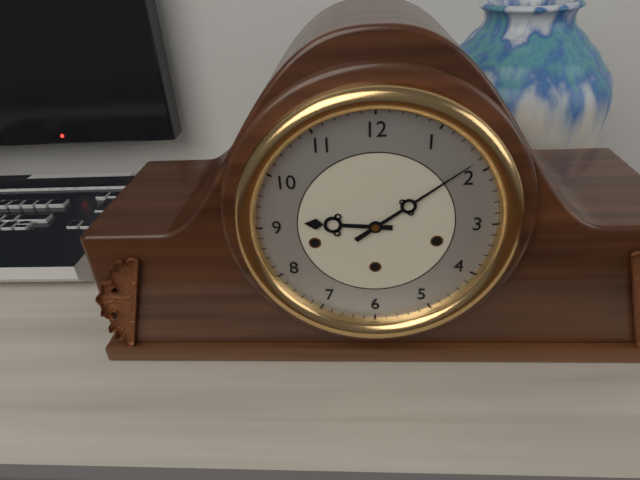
9,09
